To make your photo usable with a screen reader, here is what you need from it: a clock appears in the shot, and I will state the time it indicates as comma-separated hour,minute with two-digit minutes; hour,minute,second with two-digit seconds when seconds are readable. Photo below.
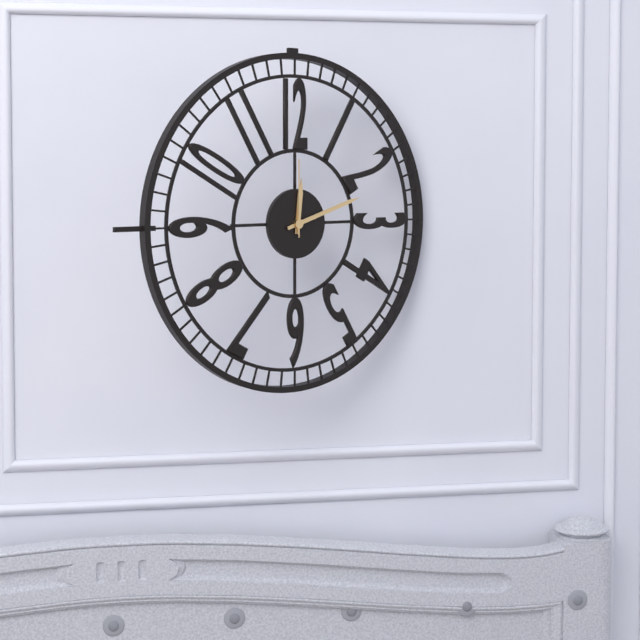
12,12,00
